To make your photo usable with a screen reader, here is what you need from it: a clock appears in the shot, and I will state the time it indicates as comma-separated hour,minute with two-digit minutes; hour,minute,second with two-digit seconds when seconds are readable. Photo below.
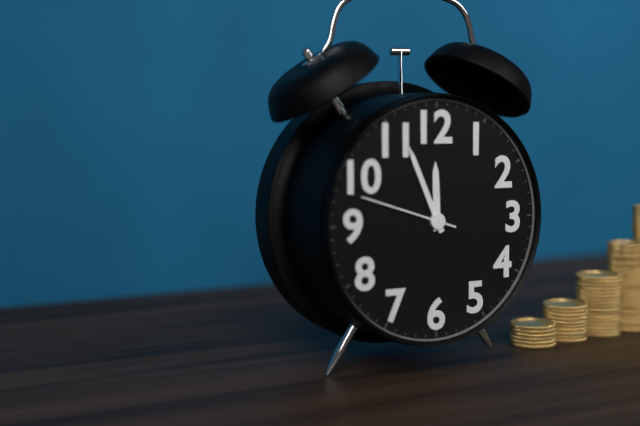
11,56,48
